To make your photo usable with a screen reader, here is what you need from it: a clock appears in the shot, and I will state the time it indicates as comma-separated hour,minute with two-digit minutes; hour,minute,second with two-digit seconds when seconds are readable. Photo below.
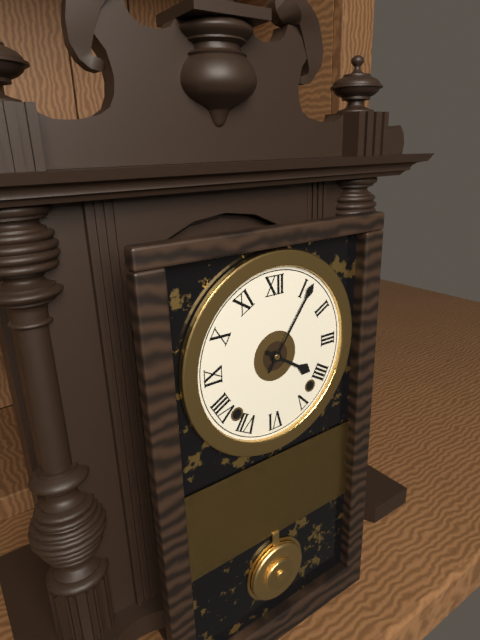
4,06
